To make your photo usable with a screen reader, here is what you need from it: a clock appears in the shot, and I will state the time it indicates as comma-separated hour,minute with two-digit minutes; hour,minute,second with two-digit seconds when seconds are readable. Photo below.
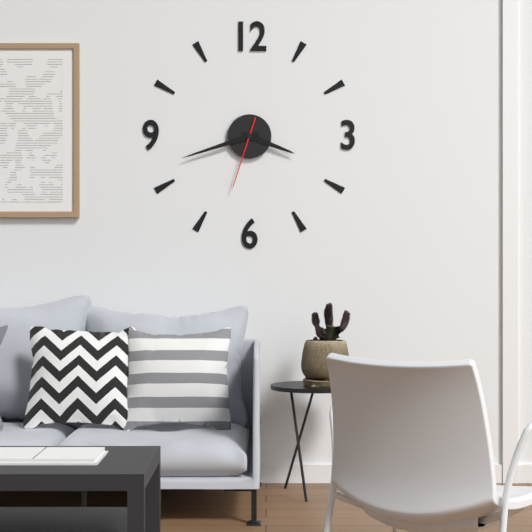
3,42,33
